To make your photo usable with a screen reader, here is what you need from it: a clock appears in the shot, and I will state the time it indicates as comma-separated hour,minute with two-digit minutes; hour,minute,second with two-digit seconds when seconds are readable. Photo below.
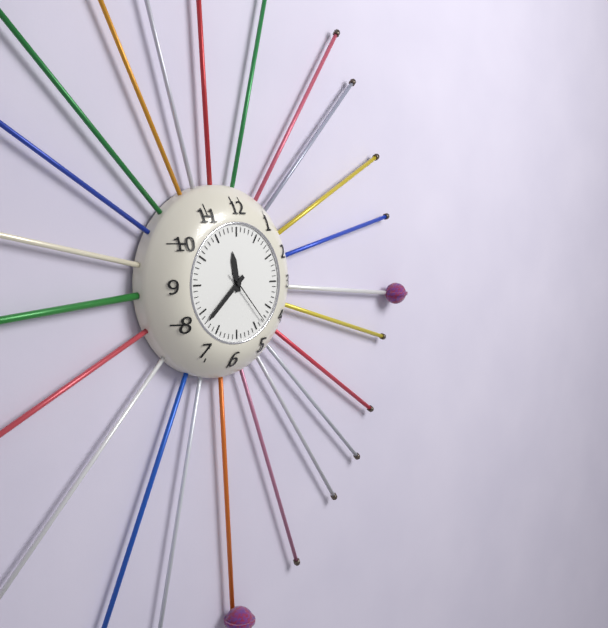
11,38,23
